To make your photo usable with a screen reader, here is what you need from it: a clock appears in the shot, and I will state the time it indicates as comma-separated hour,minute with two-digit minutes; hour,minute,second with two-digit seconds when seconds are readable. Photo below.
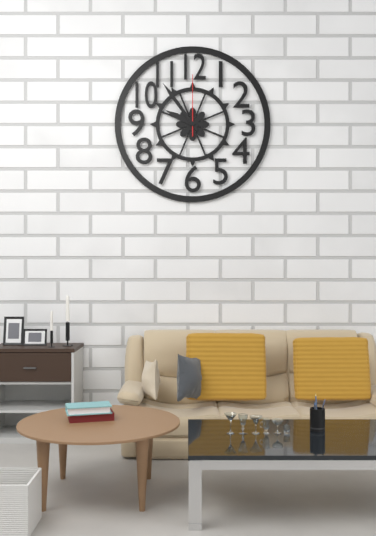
9,54,00
